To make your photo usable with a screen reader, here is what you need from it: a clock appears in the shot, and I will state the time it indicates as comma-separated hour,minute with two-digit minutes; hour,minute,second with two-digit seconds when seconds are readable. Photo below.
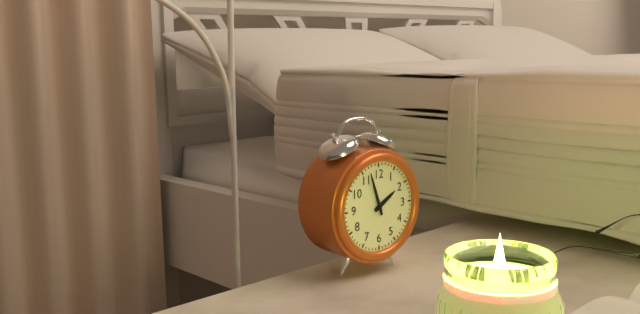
1,57
